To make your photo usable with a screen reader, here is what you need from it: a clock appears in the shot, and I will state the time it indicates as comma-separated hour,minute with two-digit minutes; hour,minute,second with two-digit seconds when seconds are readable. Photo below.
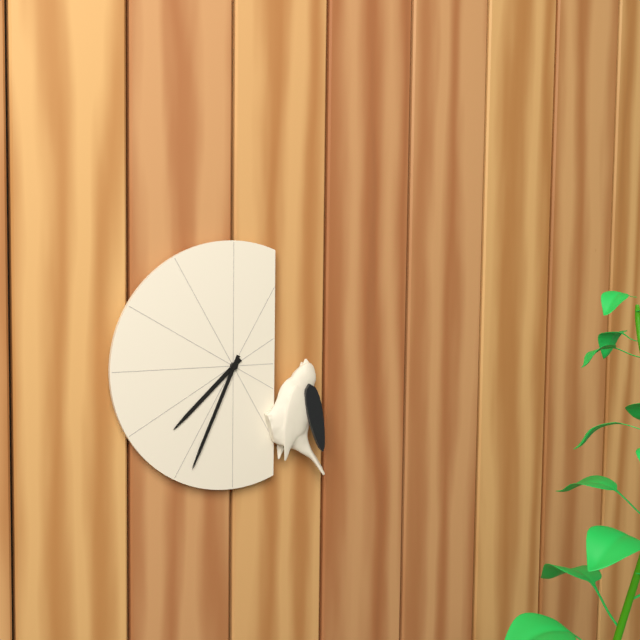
7,34
